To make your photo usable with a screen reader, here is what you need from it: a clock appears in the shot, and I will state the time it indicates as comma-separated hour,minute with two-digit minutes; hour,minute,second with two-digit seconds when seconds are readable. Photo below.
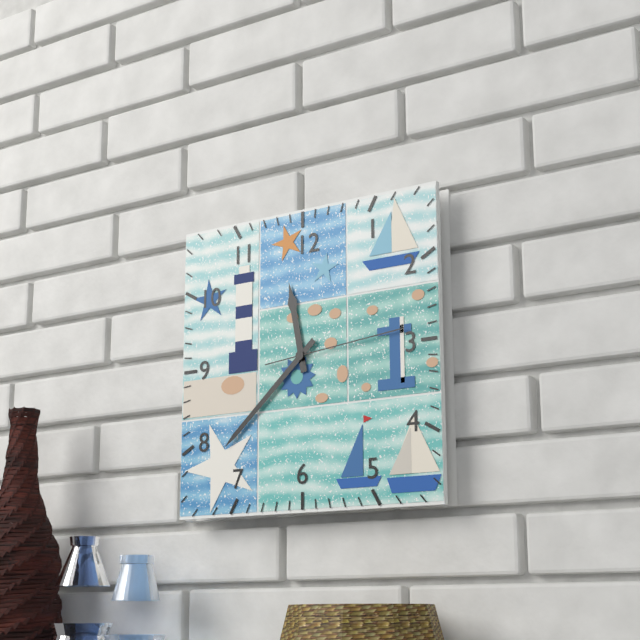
11,38,14
